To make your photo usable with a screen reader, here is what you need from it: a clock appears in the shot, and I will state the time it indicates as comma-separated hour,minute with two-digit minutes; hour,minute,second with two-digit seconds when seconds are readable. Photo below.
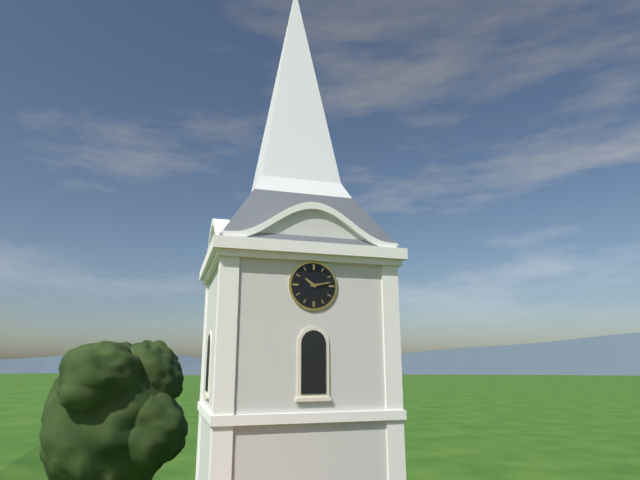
10,13
